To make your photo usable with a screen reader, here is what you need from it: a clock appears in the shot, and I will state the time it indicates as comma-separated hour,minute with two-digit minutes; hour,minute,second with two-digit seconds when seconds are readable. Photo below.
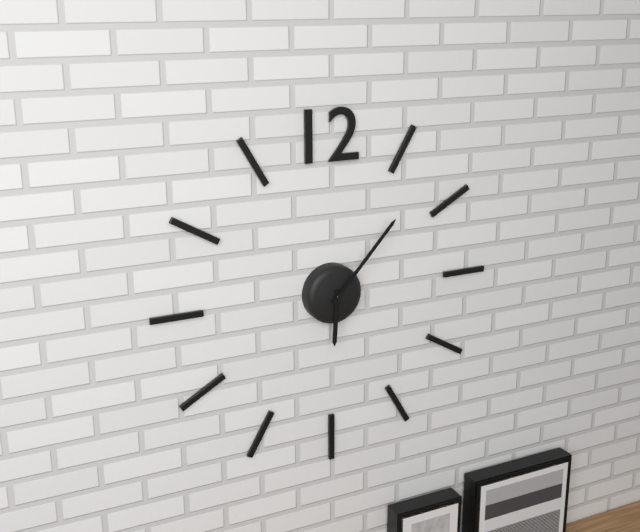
6,07
